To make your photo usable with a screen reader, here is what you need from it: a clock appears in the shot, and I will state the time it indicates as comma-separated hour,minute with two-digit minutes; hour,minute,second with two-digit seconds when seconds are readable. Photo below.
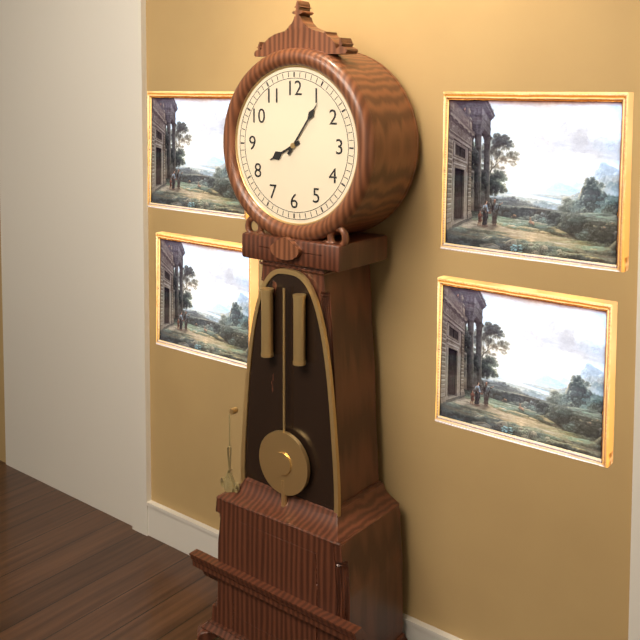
8,06
